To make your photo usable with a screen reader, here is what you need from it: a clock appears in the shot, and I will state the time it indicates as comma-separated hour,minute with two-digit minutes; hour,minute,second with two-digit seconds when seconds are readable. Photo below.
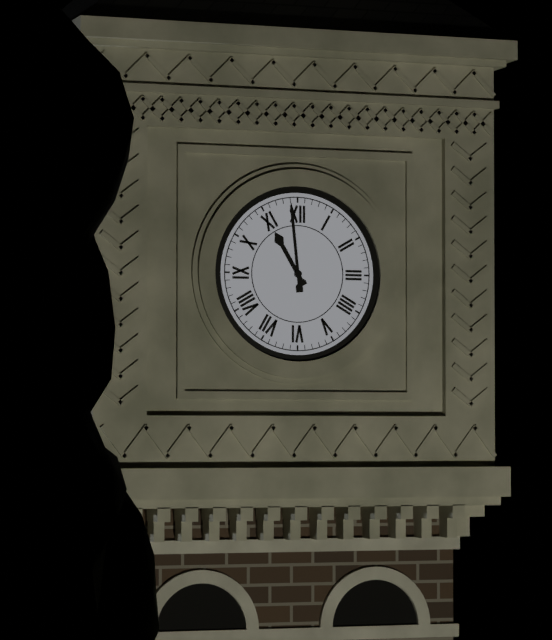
10,59
